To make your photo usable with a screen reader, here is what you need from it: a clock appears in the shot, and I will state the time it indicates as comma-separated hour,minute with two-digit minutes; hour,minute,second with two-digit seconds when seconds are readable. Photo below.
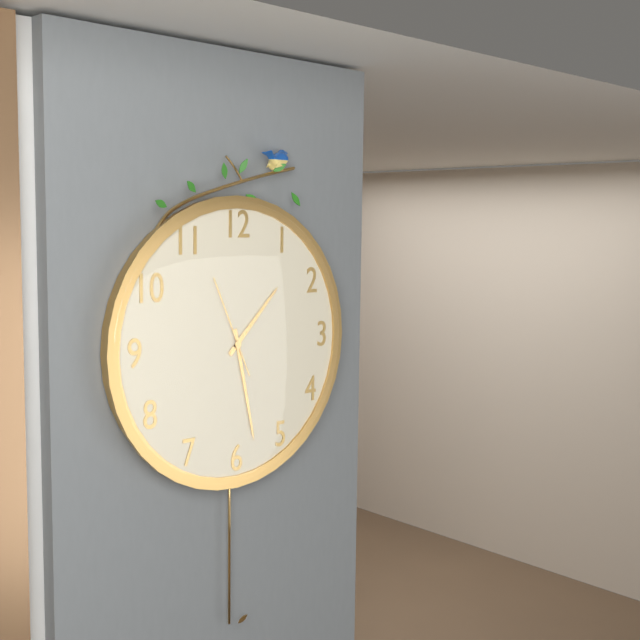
1,28,56
